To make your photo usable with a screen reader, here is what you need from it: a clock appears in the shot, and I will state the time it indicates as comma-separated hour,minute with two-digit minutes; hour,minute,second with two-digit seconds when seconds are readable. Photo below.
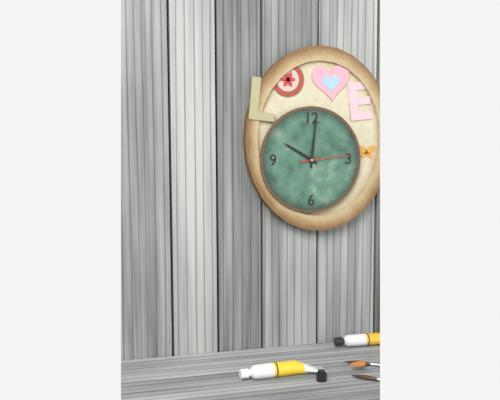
10,01,14
